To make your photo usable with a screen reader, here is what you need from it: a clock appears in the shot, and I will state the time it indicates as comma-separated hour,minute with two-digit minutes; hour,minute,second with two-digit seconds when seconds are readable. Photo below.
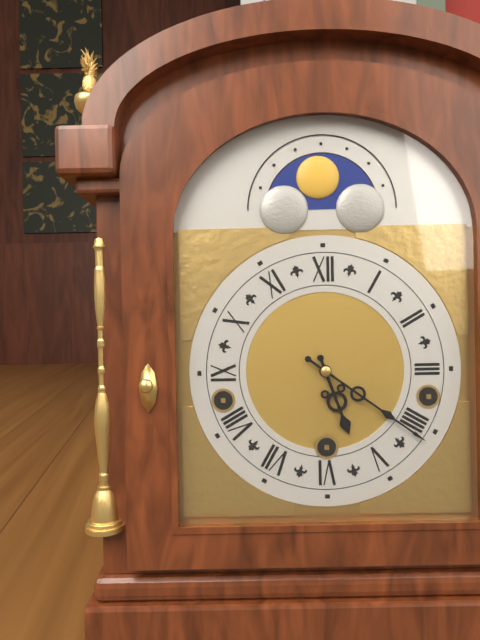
5,21
